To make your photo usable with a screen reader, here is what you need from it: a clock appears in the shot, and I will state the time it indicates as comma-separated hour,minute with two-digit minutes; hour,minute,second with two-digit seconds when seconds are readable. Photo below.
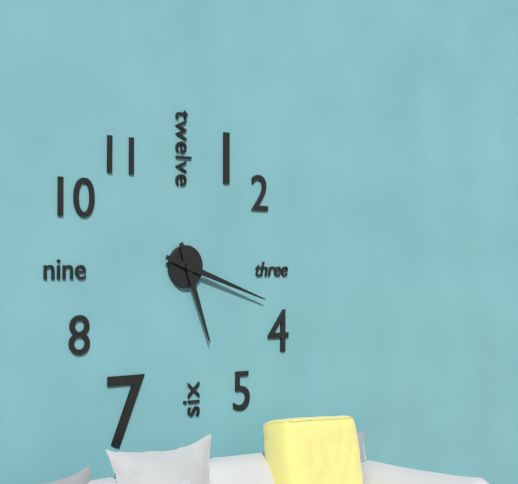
5,18
